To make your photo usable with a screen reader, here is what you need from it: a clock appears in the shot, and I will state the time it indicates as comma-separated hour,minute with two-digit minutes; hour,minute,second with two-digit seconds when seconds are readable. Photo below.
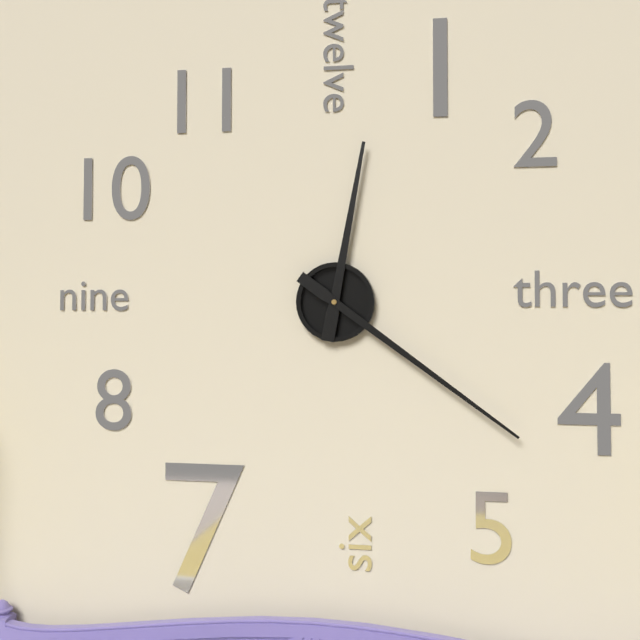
12,21
